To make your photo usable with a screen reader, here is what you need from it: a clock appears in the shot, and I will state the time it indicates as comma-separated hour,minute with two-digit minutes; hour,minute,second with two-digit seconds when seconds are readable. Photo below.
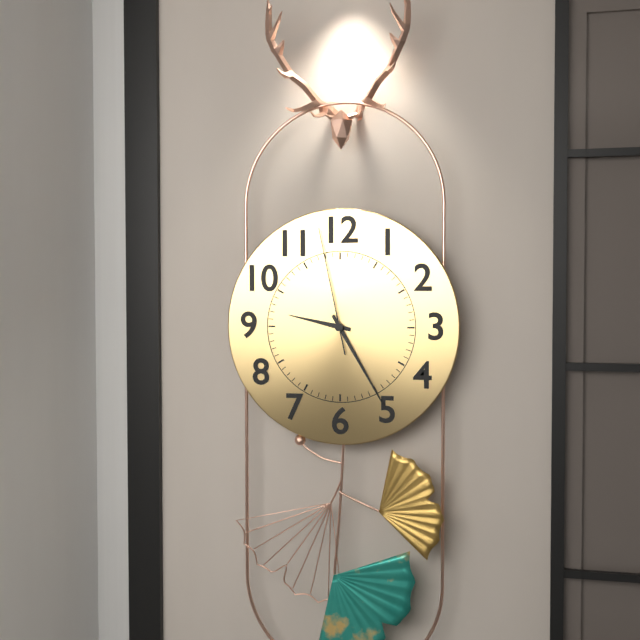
9,25,58
